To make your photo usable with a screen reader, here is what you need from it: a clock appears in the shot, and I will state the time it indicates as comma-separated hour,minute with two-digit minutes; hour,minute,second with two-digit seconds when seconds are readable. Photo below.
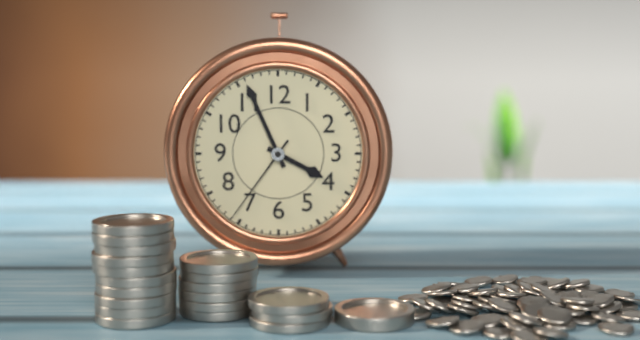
3,56,36
